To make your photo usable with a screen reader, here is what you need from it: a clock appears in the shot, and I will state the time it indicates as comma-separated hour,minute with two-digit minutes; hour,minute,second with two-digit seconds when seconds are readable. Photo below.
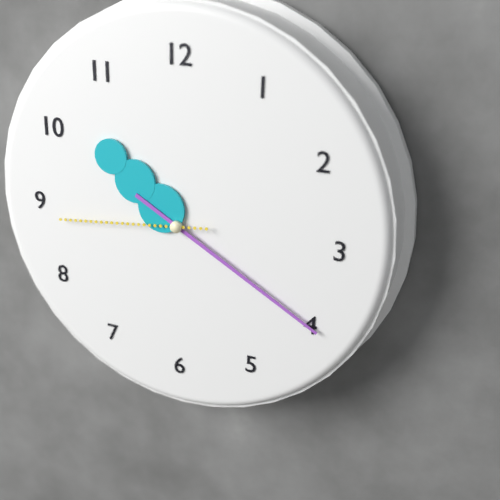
10,20,44
